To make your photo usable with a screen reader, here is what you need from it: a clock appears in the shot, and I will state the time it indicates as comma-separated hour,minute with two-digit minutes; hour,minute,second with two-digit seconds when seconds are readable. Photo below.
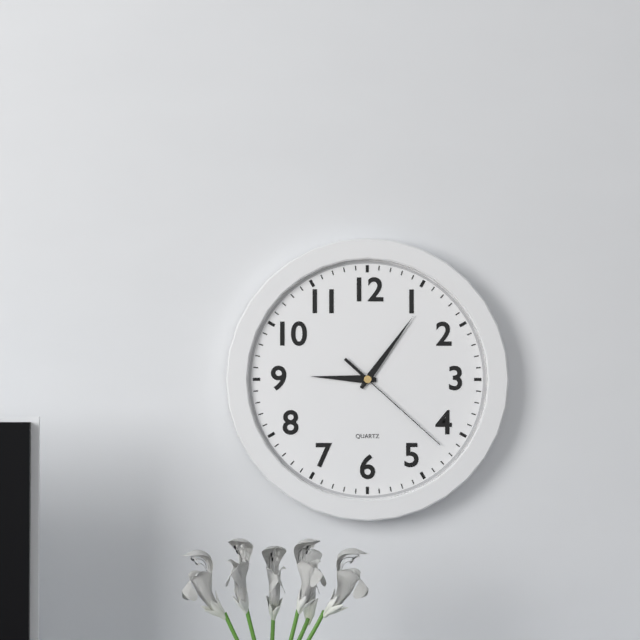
9,06,22
